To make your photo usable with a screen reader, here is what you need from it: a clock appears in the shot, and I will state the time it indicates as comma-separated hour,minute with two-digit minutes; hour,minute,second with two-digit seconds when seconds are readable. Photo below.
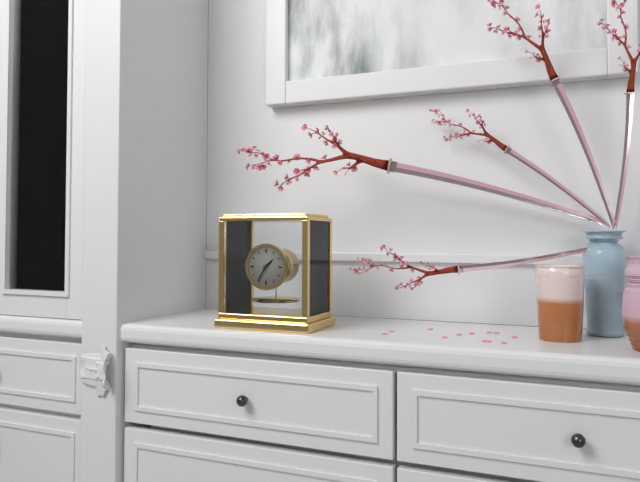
1,35
